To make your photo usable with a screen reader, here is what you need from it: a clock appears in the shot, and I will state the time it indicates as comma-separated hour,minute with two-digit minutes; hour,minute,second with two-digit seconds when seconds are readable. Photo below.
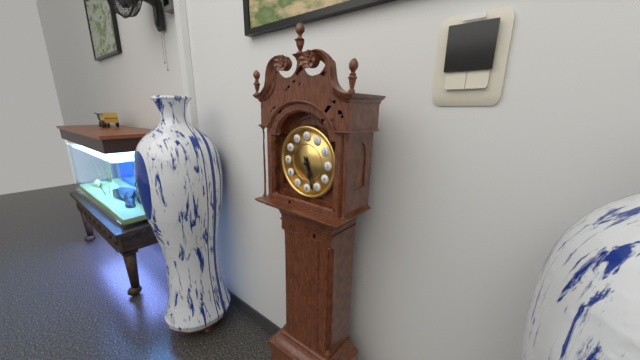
5,27
